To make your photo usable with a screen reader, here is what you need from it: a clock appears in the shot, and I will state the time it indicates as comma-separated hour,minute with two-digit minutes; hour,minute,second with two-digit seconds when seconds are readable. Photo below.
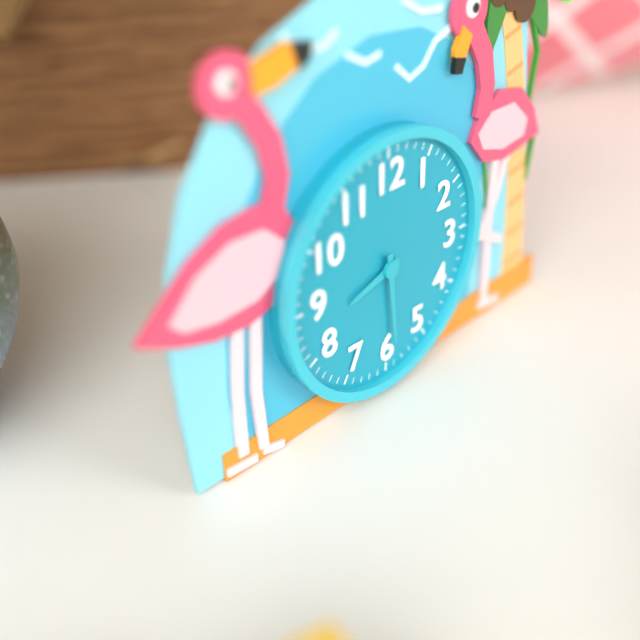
8,29
